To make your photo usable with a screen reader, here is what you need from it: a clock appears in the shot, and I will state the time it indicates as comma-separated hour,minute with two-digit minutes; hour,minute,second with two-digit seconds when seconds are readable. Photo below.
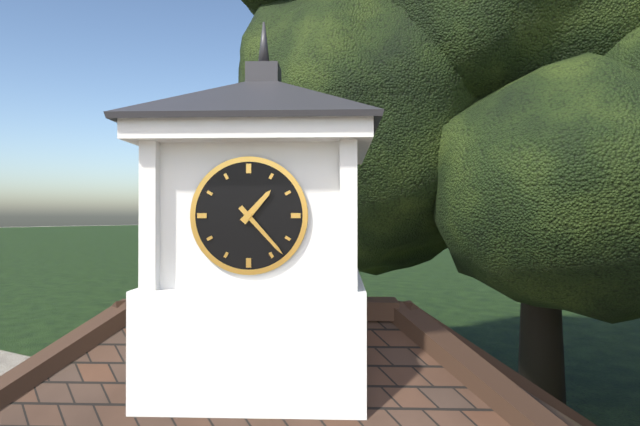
1,23
